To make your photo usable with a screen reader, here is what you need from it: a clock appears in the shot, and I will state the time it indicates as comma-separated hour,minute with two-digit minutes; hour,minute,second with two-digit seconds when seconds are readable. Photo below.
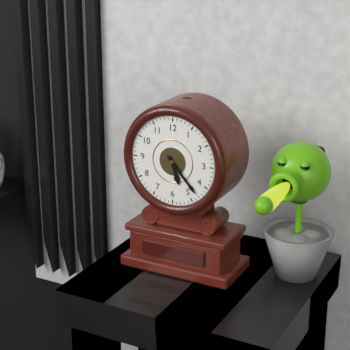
5,23
